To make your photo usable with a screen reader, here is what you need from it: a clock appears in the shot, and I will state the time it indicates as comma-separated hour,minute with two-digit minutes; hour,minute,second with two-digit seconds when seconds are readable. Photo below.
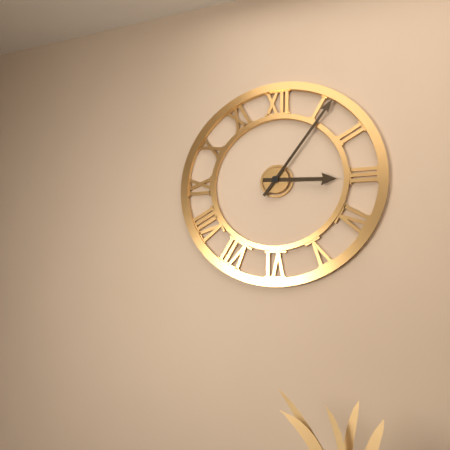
3,06
